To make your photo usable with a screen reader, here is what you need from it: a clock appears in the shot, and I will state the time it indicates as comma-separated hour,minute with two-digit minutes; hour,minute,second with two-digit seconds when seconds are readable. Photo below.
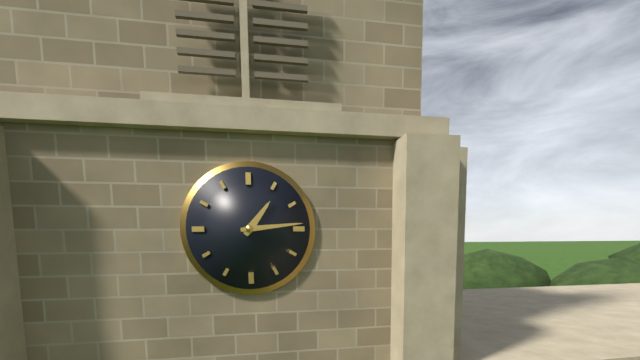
1,14
